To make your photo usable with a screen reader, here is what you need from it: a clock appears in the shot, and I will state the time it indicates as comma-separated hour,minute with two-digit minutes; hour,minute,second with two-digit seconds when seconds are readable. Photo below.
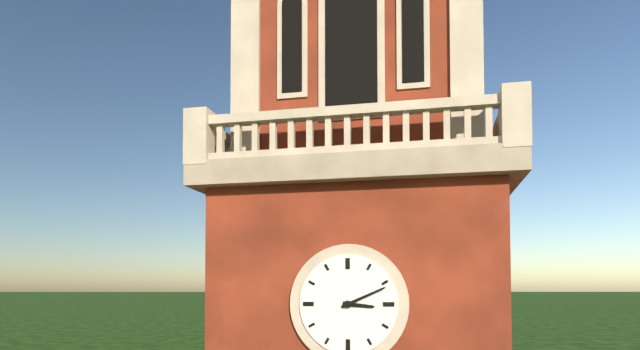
3,11
